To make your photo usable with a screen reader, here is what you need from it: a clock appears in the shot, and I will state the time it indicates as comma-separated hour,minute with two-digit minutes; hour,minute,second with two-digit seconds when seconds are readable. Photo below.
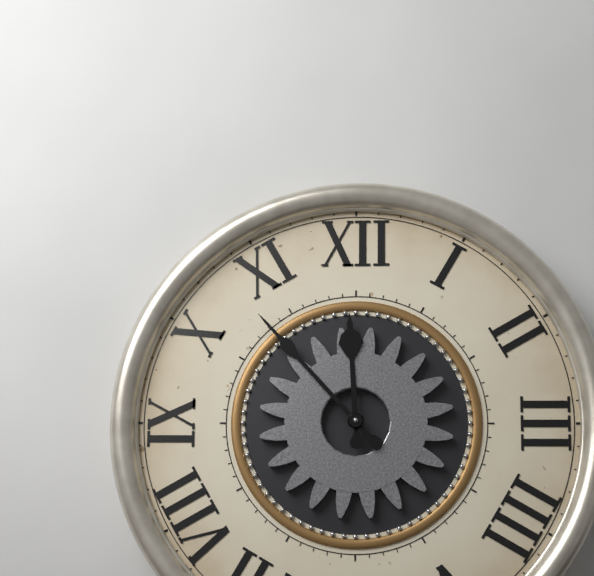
11,53
